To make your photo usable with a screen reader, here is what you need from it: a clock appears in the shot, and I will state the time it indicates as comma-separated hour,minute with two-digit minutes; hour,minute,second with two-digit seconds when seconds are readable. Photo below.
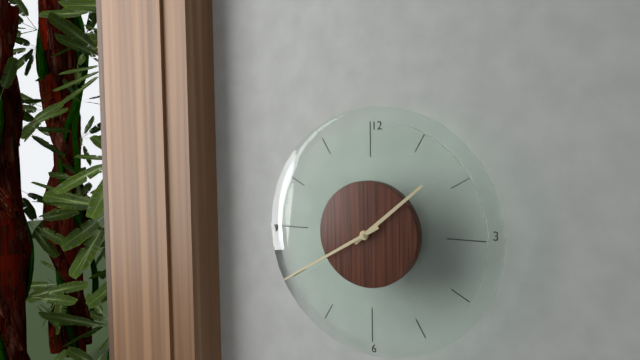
1,40
